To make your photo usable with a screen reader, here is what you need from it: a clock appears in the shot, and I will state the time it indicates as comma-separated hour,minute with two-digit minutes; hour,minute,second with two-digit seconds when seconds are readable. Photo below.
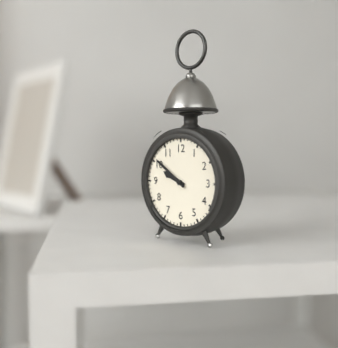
9,51
